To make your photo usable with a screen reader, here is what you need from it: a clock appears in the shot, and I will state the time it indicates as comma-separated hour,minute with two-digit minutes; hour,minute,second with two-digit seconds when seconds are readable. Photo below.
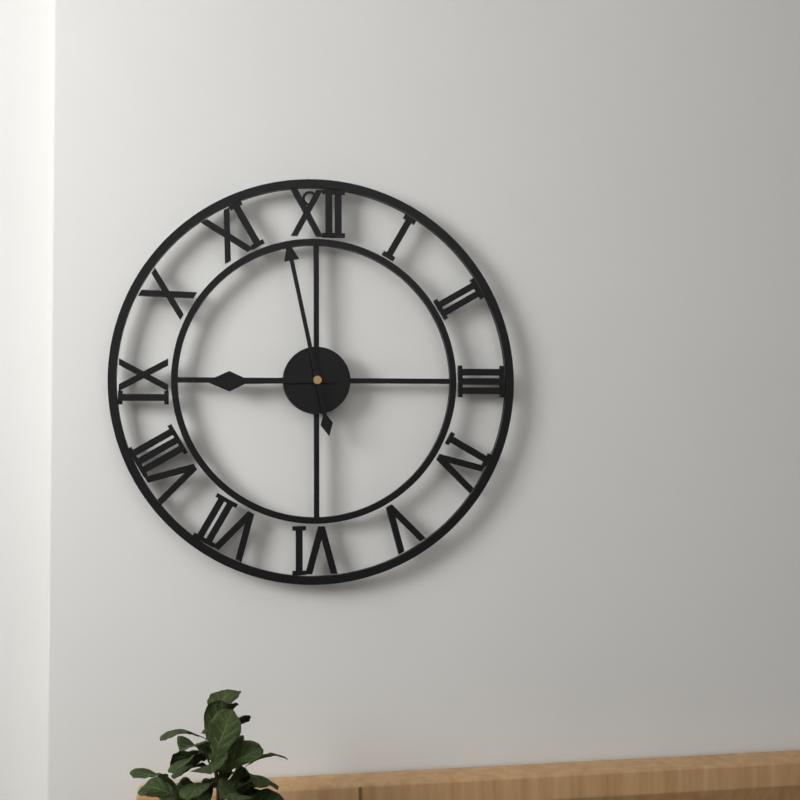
8,58
